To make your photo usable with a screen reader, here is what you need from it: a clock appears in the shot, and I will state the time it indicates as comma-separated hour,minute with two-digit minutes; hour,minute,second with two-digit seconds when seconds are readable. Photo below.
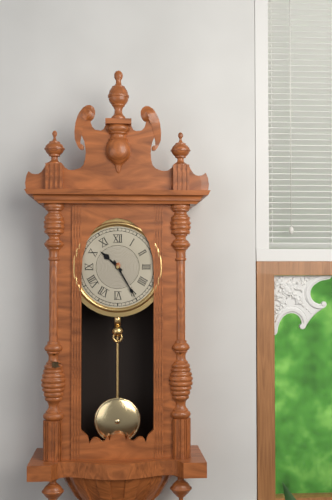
10,25
